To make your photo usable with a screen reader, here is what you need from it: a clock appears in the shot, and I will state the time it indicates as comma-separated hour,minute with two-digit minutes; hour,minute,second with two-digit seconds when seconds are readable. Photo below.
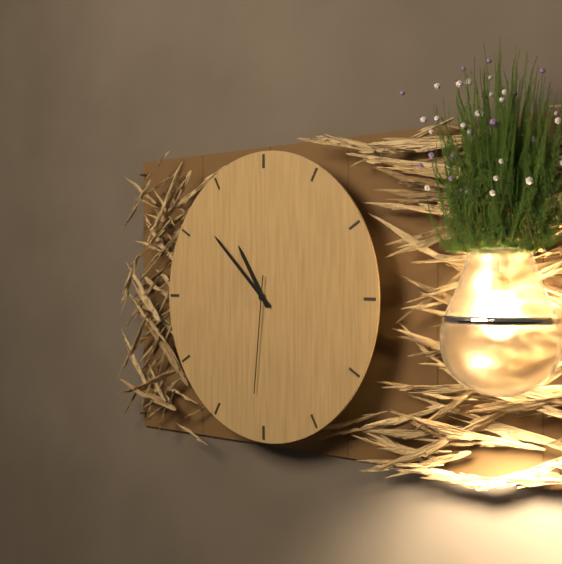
10,52,31
